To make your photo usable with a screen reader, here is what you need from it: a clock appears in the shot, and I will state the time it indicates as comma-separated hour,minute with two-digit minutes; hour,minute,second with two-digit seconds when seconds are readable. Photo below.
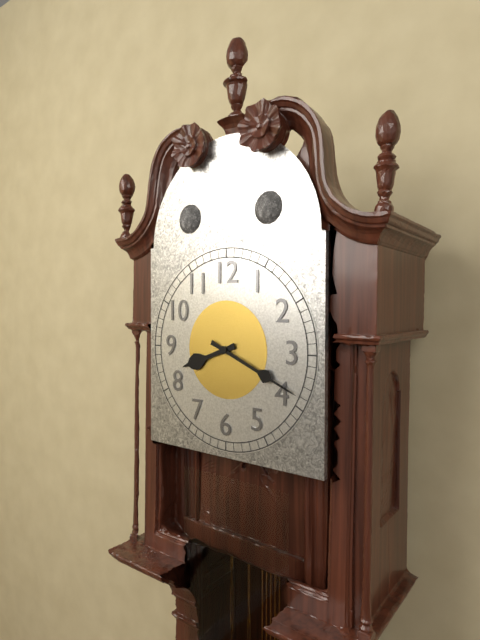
8,19
